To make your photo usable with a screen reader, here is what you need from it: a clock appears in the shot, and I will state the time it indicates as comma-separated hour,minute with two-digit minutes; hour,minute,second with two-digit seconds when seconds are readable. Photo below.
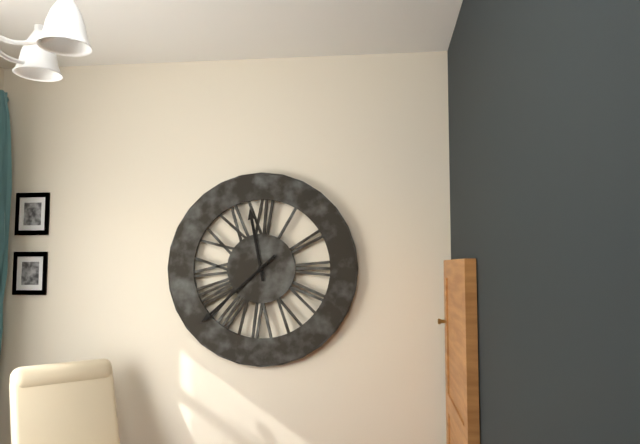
11,38
